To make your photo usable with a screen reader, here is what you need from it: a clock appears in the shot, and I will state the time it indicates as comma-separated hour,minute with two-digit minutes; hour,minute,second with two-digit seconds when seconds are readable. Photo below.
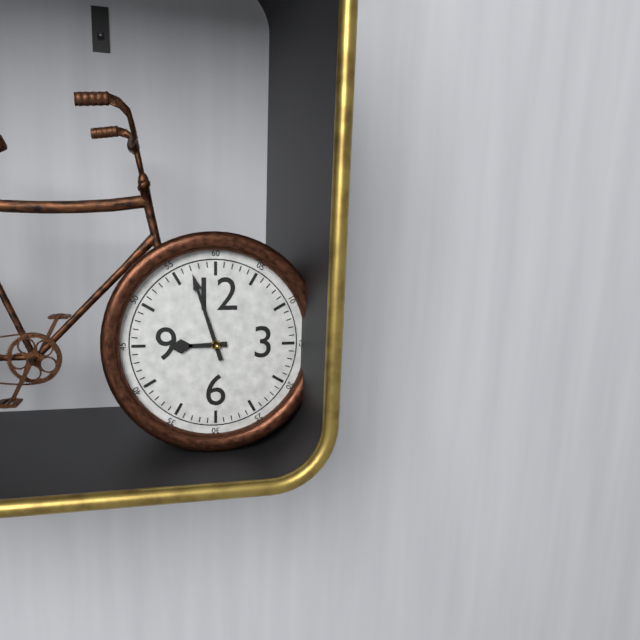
8,57
